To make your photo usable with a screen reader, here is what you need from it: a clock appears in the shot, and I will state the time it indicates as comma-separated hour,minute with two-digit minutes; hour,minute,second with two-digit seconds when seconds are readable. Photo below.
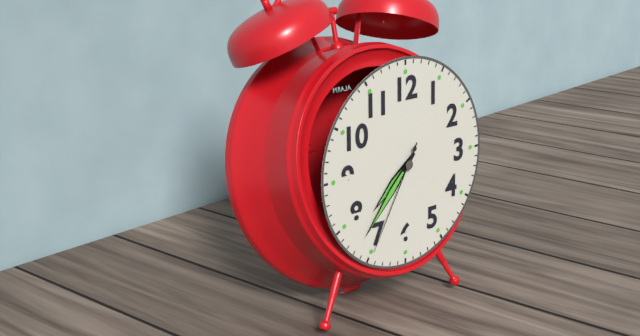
7,37,35
